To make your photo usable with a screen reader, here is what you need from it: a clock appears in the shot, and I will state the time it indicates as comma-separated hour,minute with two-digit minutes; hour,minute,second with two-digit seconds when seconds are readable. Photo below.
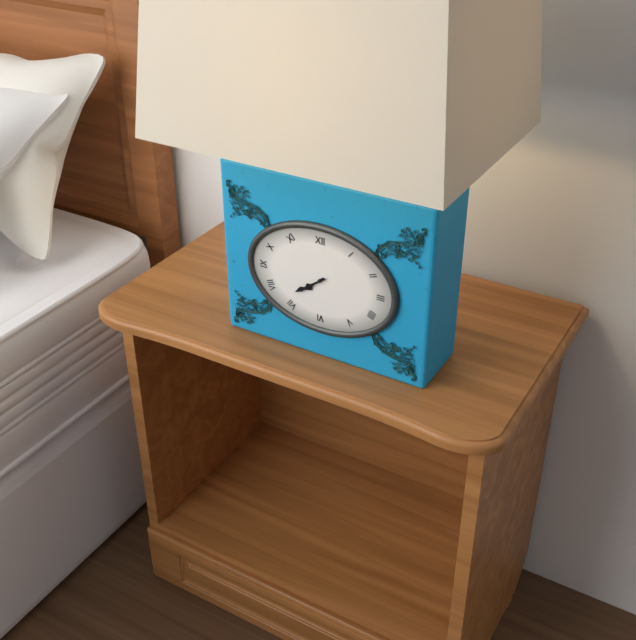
7,39
